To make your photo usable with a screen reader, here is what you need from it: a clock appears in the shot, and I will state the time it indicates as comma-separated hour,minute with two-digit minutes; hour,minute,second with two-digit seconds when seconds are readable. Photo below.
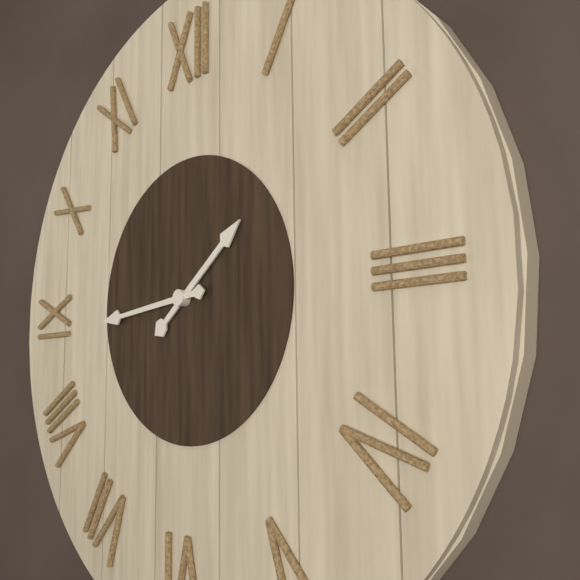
1,44
